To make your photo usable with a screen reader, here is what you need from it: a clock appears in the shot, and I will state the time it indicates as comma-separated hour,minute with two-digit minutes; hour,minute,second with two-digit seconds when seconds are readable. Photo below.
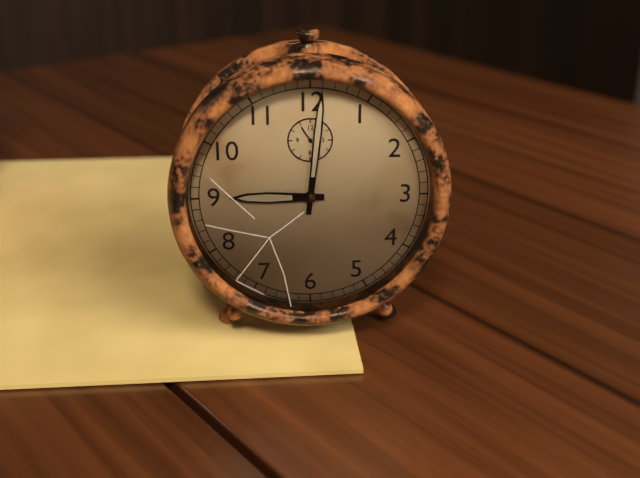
9,01
